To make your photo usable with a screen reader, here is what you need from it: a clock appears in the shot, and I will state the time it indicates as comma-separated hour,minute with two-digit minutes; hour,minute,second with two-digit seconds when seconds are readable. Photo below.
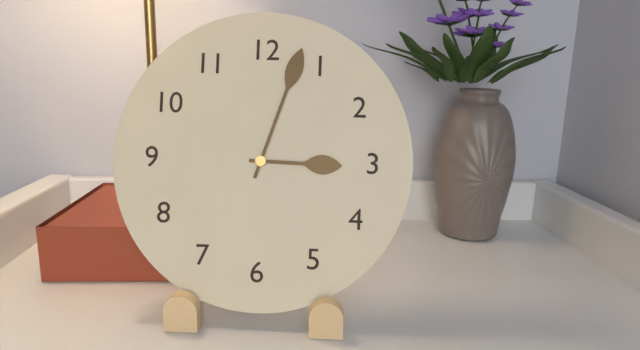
3,03
